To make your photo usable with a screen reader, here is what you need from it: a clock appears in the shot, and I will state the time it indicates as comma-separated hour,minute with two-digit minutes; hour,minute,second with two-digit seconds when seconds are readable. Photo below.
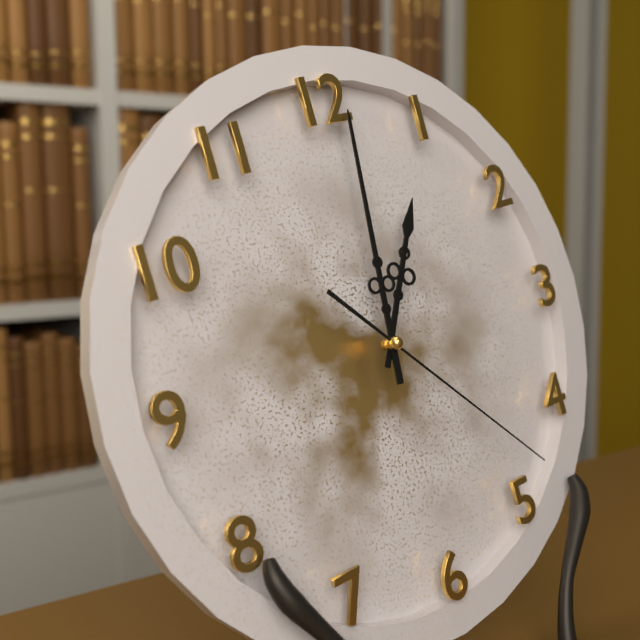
1,01,23
